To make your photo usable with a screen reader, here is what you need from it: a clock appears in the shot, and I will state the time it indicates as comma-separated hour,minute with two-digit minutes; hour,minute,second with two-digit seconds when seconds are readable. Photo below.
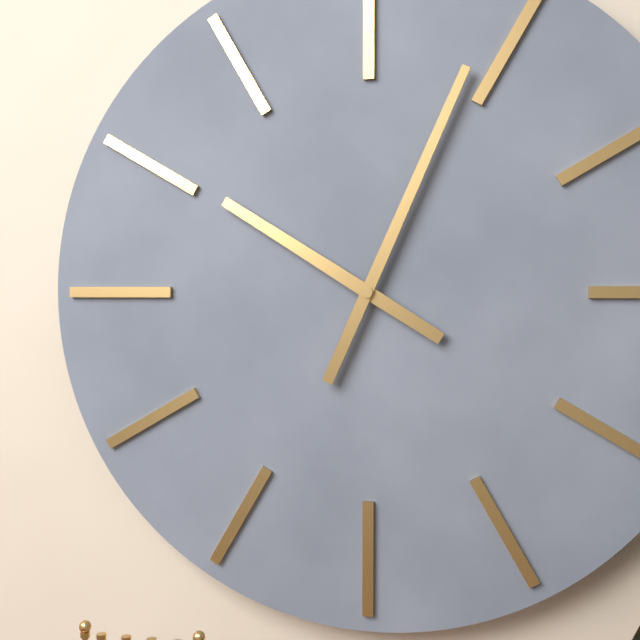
10,04
